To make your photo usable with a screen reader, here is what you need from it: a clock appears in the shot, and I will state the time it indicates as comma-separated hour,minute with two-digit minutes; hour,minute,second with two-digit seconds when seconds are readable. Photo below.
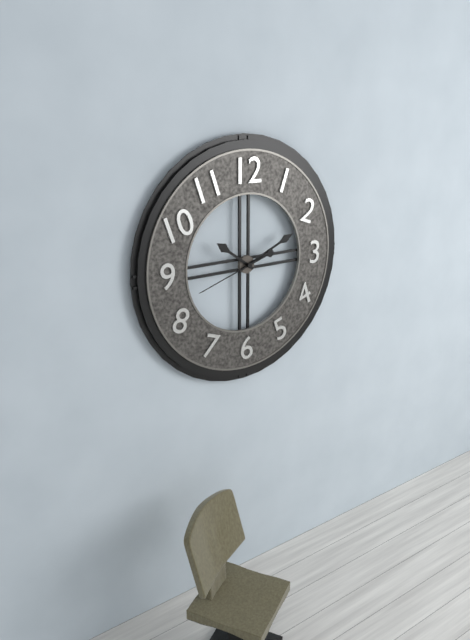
10,11,42
